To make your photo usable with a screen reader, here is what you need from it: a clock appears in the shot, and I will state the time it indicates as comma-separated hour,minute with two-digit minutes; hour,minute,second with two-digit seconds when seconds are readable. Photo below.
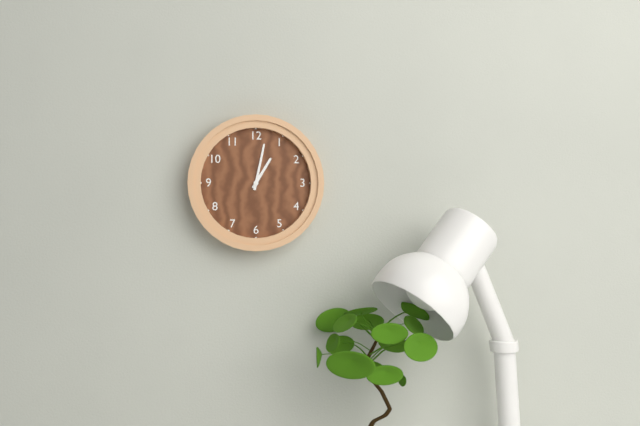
1,02
